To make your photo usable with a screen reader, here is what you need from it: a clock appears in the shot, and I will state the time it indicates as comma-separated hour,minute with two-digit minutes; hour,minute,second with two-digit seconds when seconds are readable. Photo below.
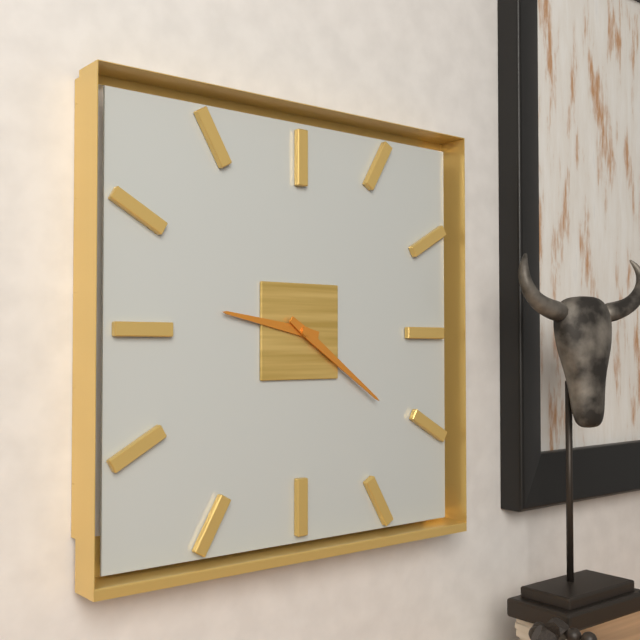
9,21
